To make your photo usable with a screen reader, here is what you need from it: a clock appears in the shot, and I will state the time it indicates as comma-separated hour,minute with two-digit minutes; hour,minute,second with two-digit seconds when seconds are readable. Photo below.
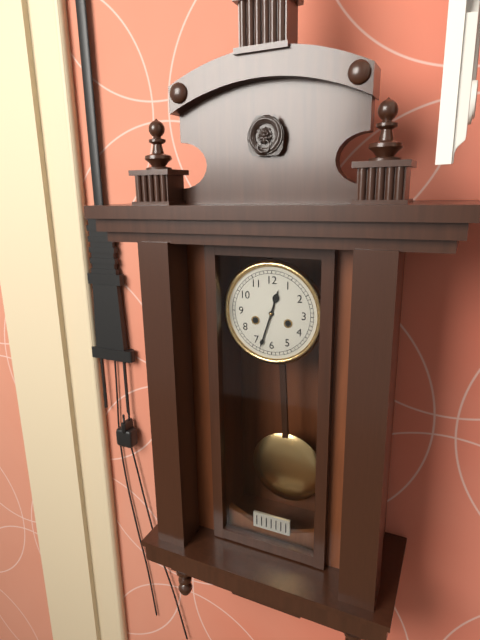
12,33
